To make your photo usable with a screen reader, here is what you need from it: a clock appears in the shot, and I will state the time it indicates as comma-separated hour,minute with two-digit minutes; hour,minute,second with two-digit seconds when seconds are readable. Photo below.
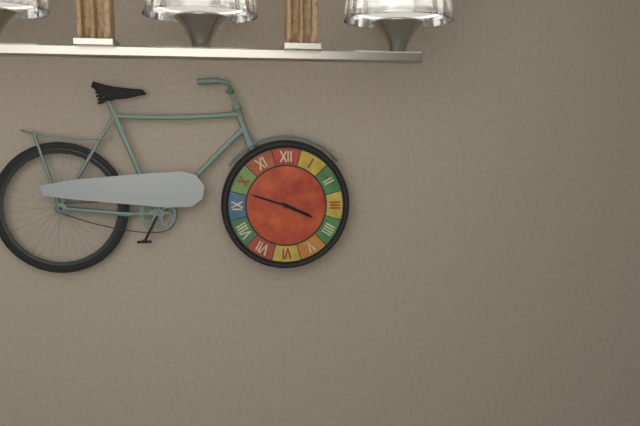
3,48
